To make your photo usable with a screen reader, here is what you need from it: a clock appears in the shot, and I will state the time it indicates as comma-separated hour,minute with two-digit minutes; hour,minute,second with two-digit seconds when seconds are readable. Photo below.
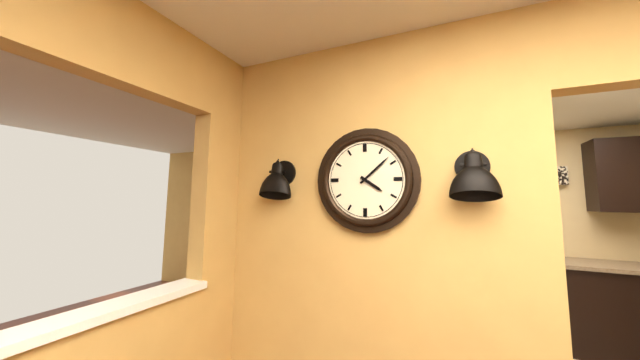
4,08
